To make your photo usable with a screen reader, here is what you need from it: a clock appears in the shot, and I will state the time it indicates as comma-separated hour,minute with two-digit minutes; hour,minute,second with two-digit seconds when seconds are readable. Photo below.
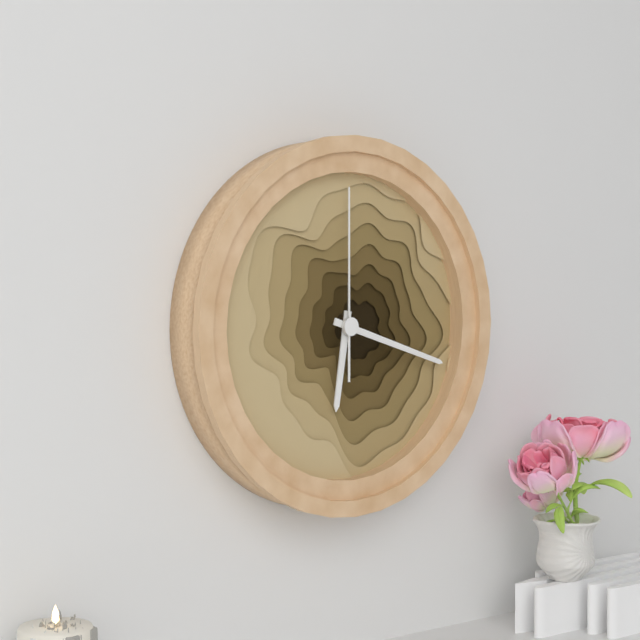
6,18,00
